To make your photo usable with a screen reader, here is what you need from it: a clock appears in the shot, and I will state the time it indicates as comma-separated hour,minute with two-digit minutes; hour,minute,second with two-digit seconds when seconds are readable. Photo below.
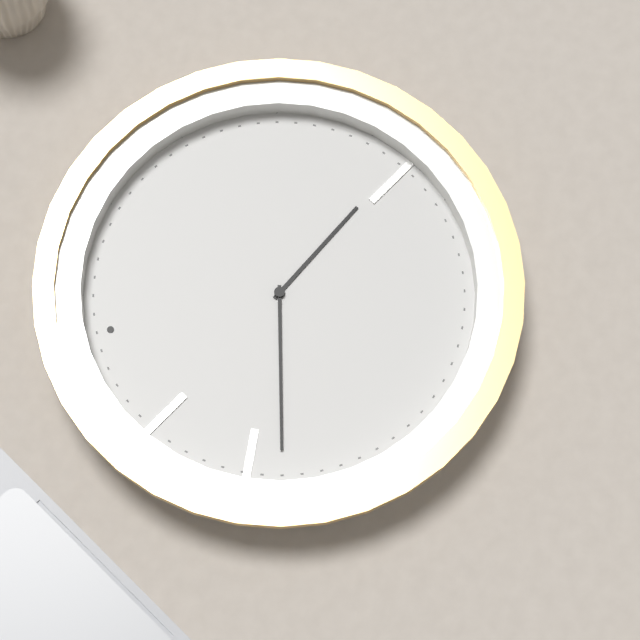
4,47
